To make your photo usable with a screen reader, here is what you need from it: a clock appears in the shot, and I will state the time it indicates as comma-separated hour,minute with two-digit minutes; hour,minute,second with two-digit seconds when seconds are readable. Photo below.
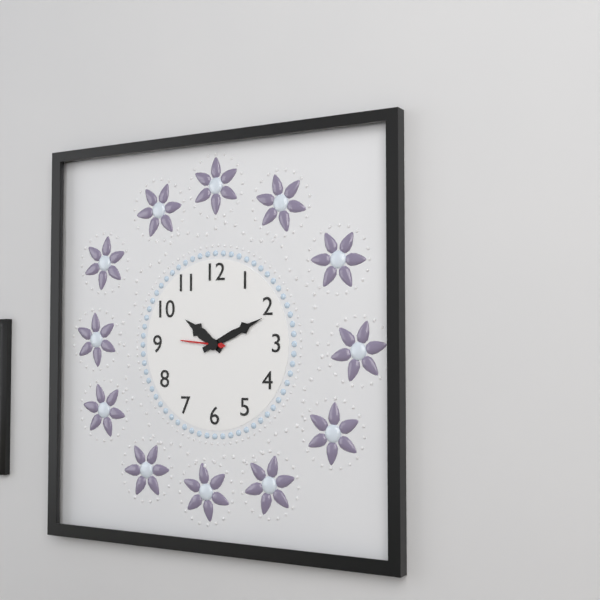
10,11
